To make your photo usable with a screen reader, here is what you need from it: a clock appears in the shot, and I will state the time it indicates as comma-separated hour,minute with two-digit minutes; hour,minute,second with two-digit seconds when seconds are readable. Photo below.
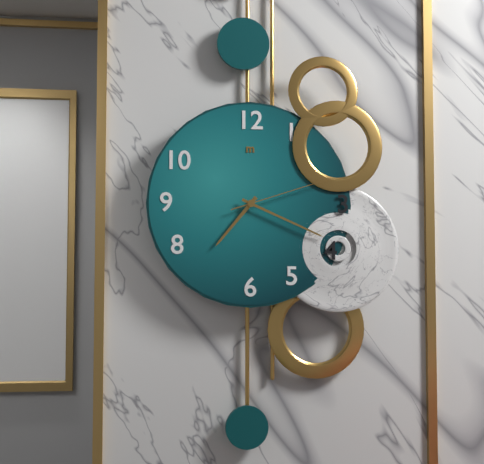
7,19,12
